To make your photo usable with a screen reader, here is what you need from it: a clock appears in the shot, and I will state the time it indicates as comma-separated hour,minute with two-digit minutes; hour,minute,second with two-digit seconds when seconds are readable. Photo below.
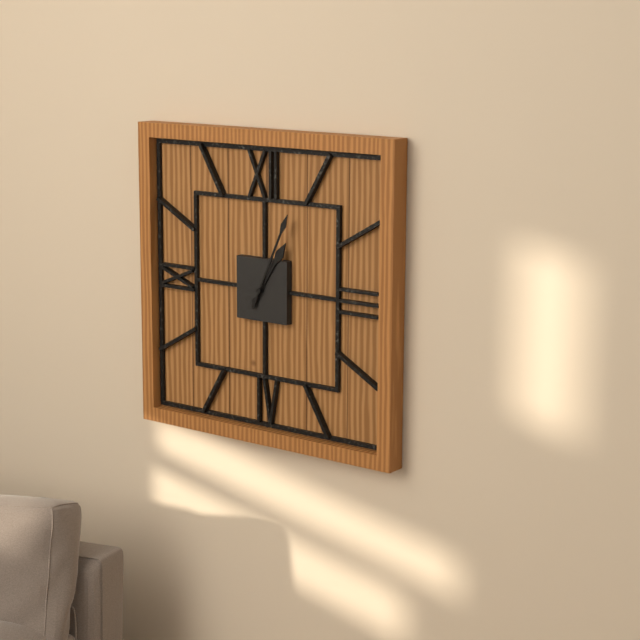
1,04
